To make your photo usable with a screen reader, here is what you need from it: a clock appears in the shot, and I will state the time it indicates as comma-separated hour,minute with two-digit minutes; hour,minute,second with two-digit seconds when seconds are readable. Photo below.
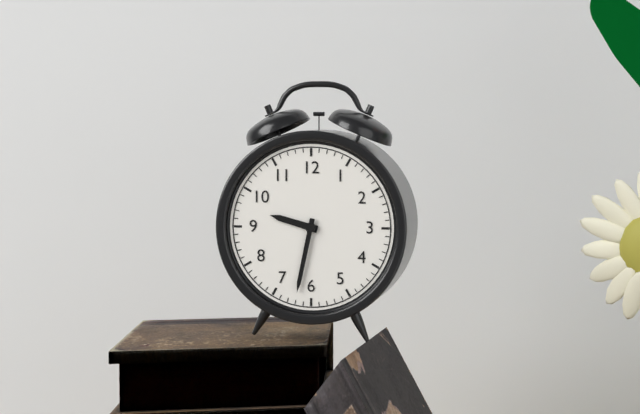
9,32
